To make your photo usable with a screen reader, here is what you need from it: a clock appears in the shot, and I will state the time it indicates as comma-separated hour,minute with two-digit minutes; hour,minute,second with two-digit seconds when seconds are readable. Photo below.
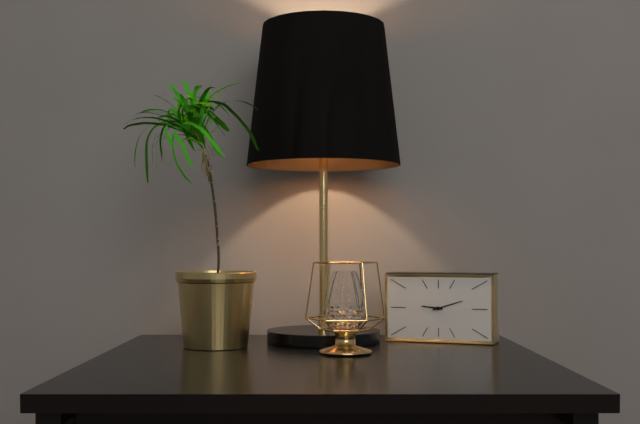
9,12
